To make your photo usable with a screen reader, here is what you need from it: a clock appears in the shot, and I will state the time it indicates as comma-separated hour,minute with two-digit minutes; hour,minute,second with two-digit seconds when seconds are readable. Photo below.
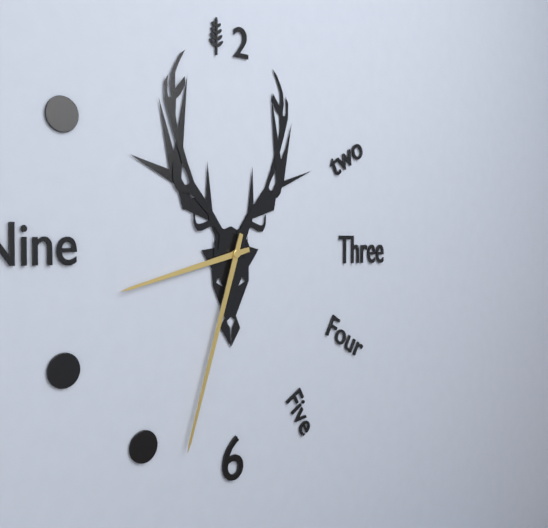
8,33
